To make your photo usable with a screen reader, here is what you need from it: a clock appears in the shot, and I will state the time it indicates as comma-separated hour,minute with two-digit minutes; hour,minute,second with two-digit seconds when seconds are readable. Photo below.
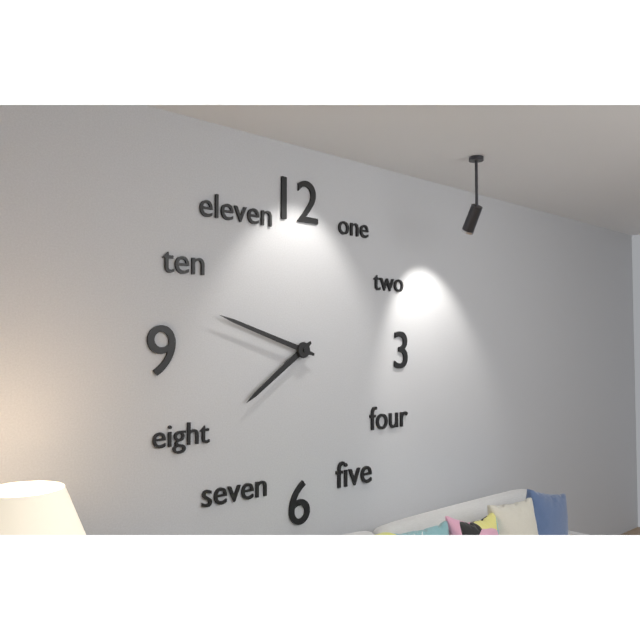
7,48
